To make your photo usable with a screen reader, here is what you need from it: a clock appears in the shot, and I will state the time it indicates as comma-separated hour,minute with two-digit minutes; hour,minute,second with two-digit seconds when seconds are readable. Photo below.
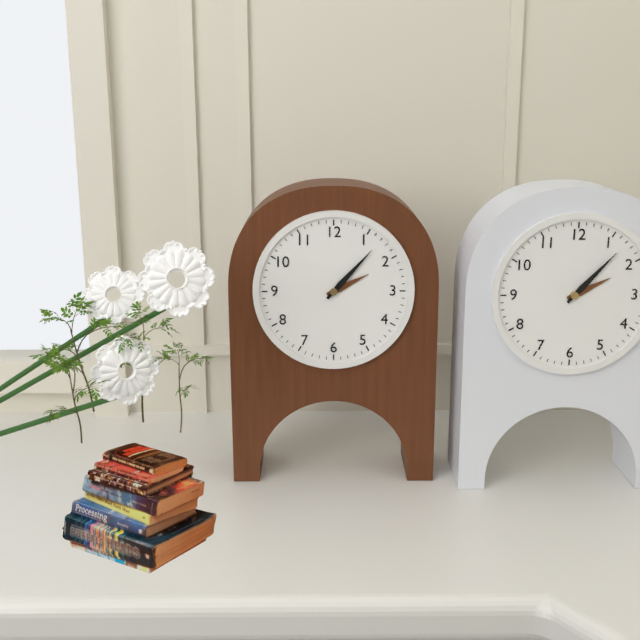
2,07
